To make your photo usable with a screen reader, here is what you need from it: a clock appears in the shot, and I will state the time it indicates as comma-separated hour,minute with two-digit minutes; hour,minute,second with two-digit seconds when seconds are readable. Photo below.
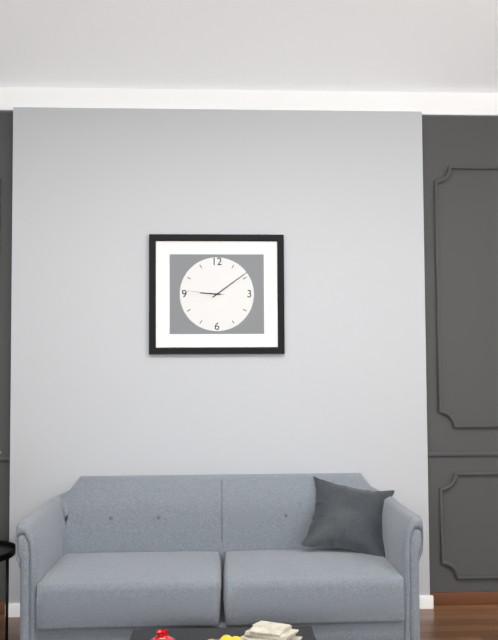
9,09
